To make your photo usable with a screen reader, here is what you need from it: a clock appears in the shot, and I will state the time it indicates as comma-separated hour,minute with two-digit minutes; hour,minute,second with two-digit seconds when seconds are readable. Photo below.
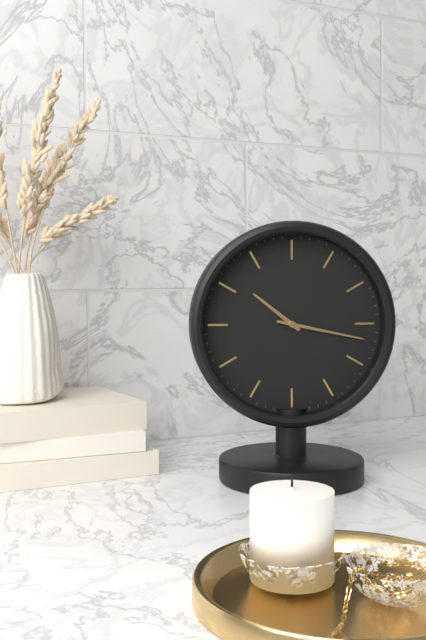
10,17
